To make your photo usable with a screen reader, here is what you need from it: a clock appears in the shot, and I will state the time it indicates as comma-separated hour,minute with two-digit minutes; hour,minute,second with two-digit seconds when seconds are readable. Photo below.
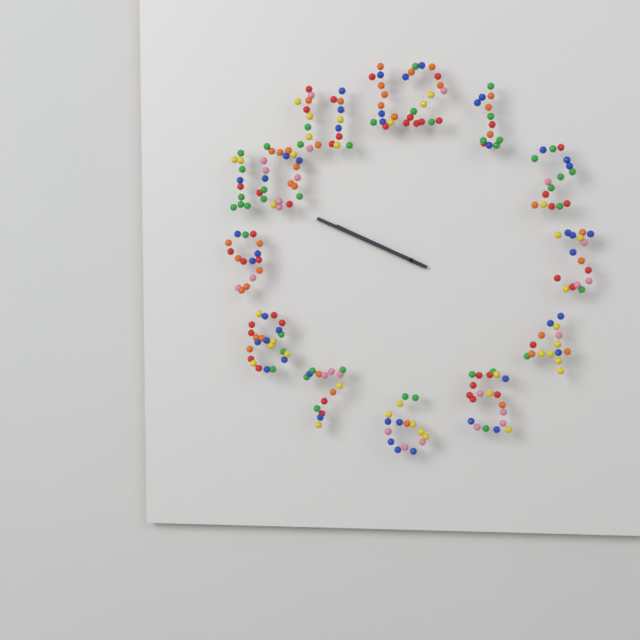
9,49
